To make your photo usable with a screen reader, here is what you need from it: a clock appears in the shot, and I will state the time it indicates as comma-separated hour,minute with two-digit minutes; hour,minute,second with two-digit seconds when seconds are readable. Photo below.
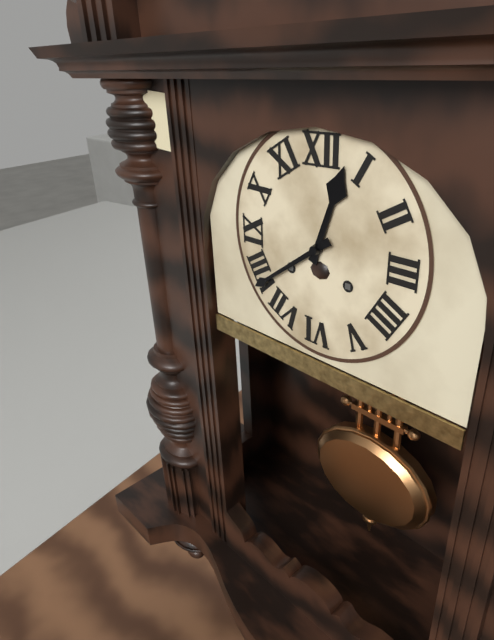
12,39
